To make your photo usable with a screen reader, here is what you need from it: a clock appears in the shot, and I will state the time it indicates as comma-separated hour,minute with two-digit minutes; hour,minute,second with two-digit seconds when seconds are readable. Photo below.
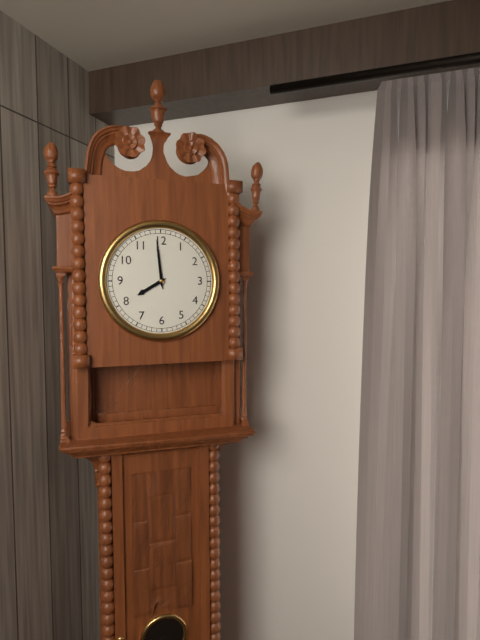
7,59
